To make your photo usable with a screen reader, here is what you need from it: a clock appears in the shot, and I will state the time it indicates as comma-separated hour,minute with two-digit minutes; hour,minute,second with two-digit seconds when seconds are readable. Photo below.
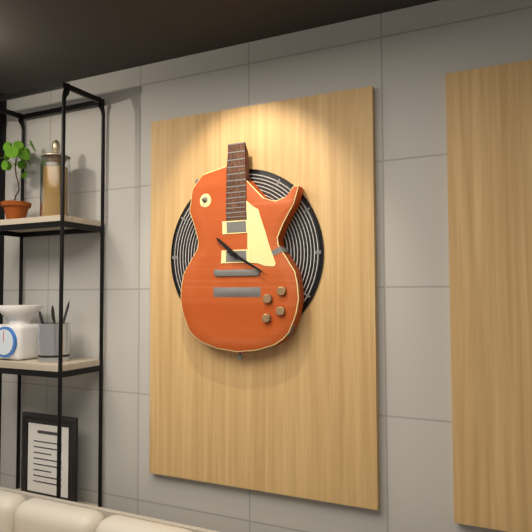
10,20
